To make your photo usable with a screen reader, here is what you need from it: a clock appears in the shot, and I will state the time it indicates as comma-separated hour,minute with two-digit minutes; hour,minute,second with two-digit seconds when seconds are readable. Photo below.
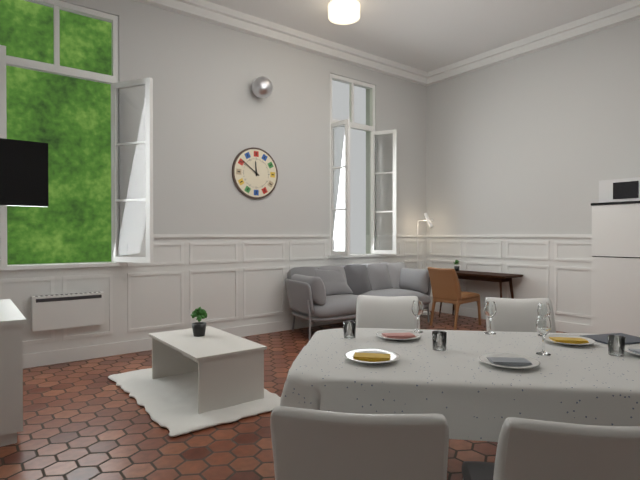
11,51
